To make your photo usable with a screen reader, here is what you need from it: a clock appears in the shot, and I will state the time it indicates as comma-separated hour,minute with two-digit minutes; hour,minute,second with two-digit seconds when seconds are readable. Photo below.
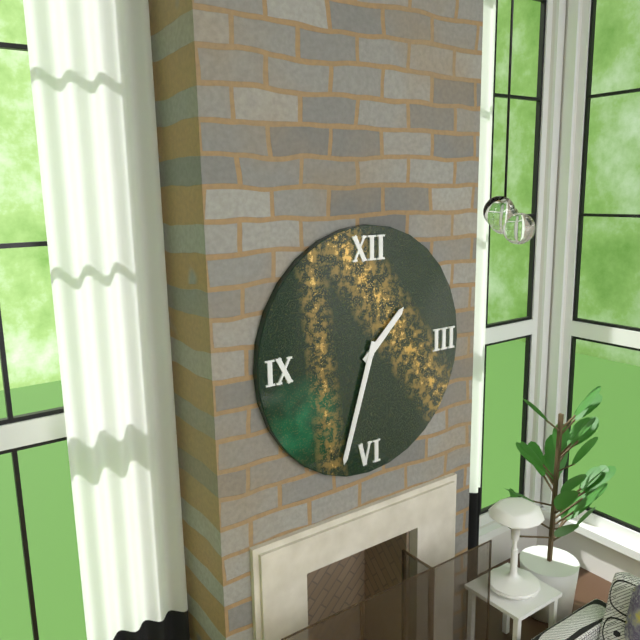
1,33
